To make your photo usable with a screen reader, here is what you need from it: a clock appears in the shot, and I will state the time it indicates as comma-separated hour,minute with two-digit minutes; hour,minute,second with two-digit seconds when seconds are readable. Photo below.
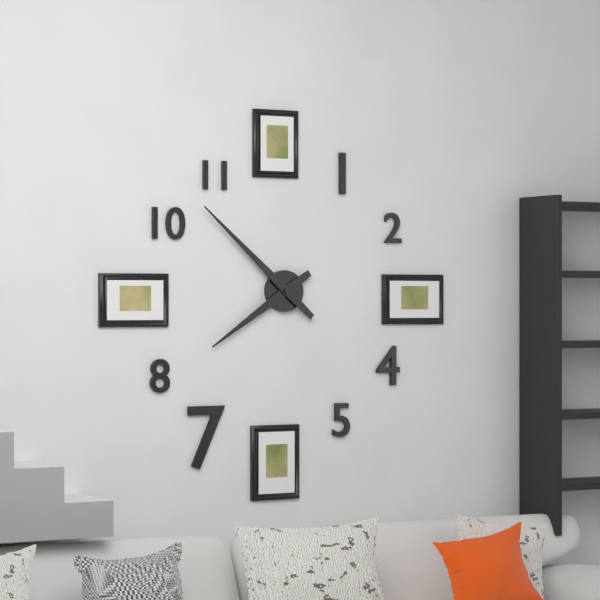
7,52
